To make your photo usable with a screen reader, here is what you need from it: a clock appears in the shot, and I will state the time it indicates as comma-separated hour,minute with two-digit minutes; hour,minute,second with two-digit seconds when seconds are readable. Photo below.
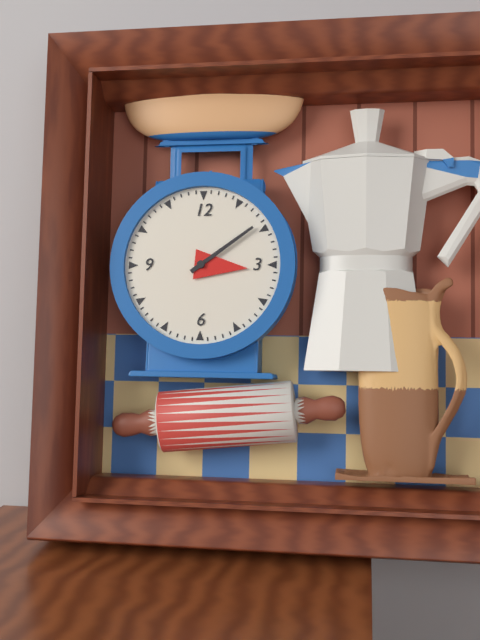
3,09
